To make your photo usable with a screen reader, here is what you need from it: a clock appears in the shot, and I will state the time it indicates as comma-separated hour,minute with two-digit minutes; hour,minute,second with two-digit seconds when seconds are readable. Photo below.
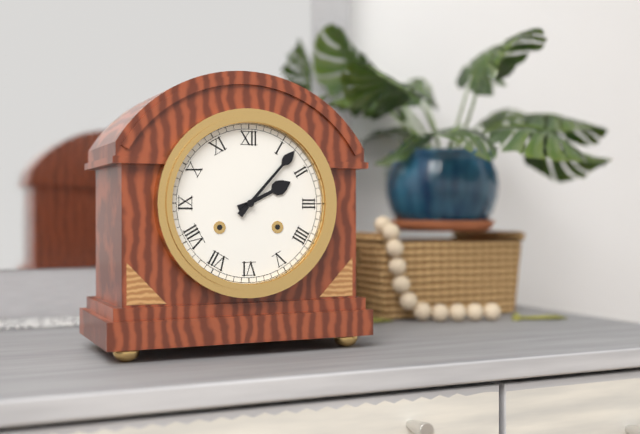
2,07
